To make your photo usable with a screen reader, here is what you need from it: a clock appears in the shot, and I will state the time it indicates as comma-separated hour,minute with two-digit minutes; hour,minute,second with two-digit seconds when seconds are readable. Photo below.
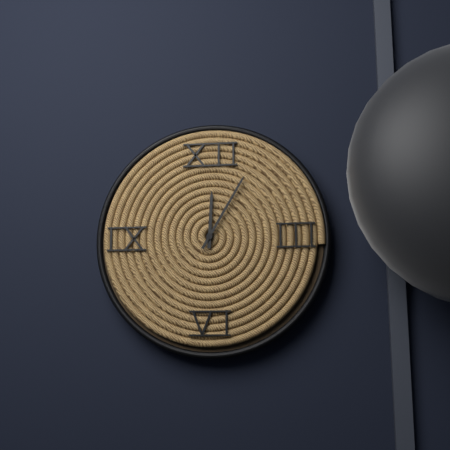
12,05
